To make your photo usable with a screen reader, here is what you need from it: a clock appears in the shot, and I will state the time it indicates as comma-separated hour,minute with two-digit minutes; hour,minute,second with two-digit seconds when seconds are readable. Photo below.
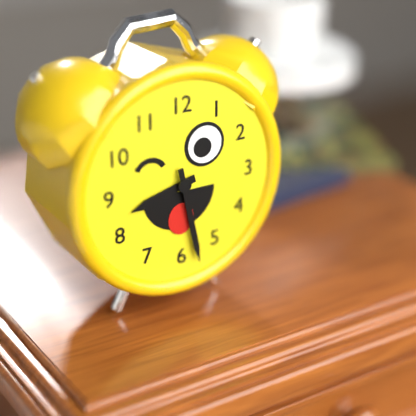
8,28
